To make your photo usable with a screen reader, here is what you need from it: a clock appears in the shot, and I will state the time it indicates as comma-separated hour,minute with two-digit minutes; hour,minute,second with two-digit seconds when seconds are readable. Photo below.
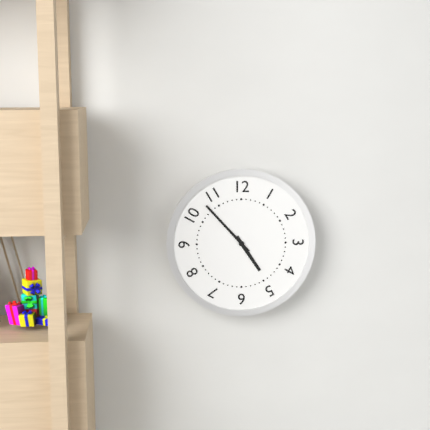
4,53
